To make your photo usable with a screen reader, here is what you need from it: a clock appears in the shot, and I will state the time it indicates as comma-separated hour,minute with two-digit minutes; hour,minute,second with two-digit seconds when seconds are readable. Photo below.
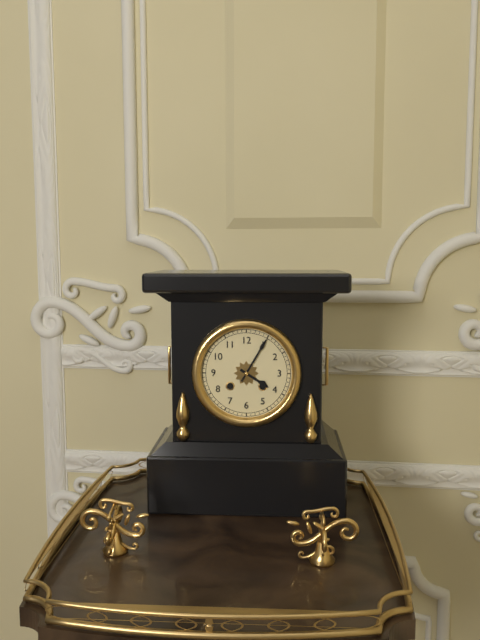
4,05
